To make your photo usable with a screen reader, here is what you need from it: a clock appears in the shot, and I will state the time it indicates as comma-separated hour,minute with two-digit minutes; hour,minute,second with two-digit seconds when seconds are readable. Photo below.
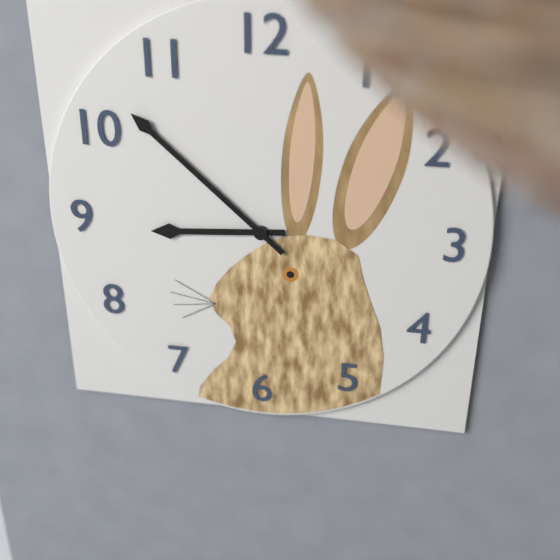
8,52
